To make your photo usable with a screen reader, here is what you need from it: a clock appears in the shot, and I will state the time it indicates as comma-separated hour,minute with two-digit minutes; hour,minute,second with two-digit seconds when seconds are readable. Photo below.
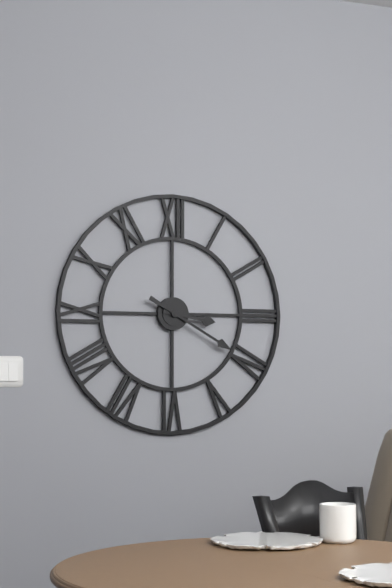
3,20
